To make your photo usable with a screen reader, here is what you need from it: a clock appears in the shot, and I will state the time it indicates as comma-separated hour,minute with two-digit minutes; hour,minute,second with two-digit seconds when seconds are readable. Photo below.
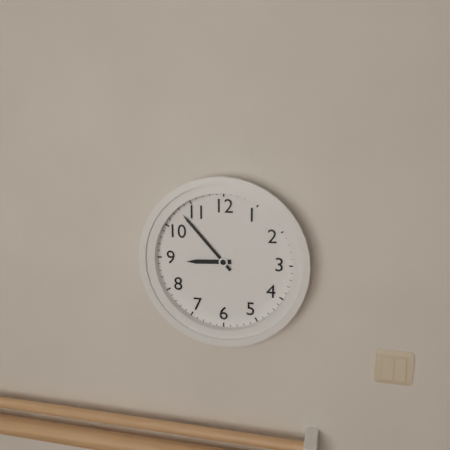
8,53
